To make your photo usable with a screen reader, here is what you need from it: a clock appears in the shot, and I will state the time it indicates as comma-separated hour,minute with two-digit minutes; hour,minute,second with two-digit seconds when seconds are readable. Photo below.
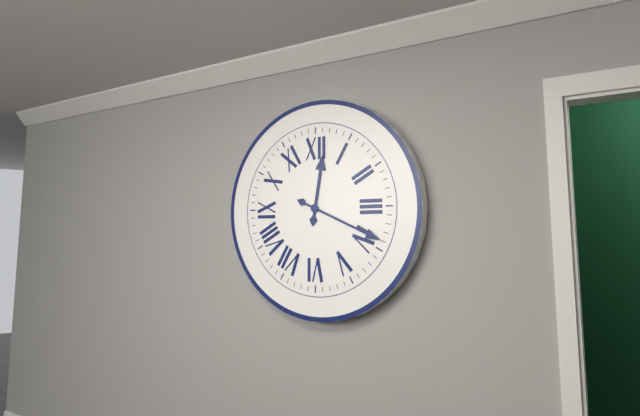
12,19
